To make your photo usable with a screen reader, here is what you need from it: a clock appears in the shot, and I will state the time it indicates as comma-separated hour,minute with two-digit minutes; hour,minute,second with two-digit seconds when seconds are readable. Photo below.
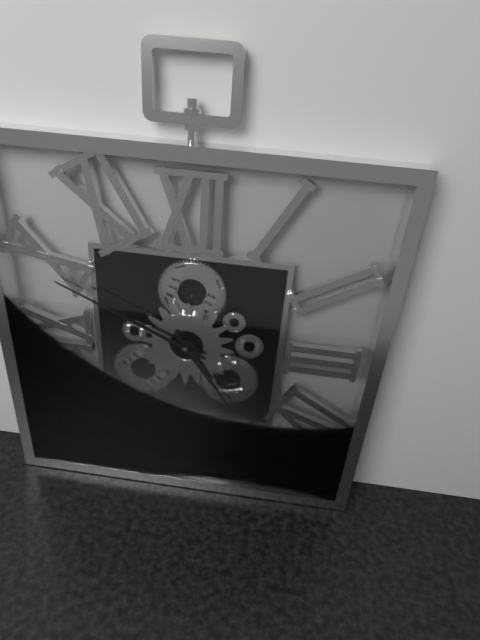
4,49
